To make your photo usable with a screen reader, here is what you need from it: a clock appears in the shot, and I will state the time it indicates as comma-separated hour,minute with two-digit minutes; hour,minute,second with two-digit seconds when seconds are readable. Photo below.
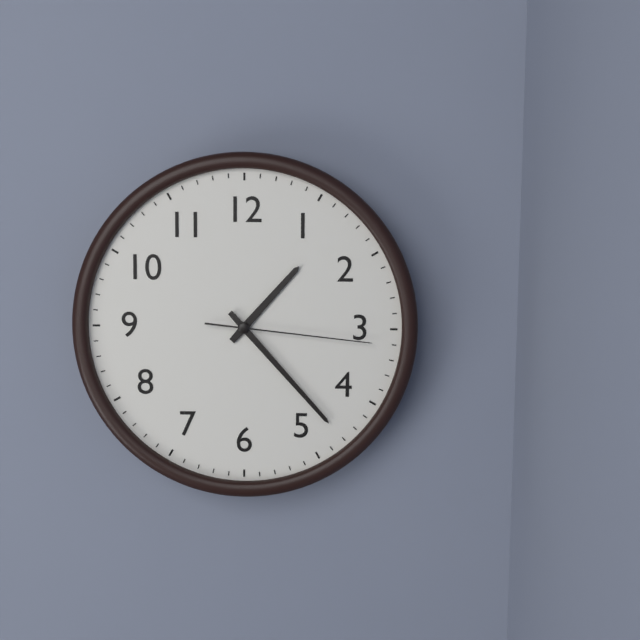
1,23,16
